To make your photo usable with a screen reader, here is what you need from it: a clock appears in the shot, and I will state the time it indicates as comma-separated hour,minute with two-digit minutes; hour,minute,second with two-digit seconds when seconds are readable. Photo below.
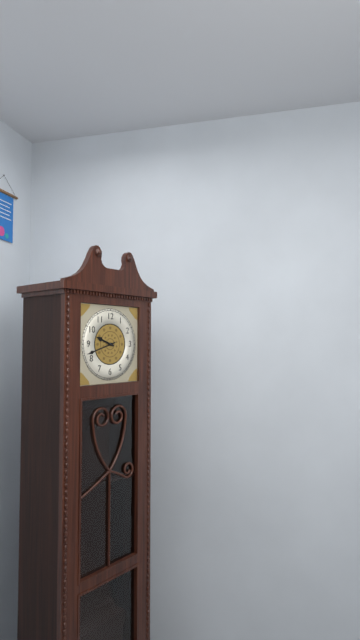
9,42
